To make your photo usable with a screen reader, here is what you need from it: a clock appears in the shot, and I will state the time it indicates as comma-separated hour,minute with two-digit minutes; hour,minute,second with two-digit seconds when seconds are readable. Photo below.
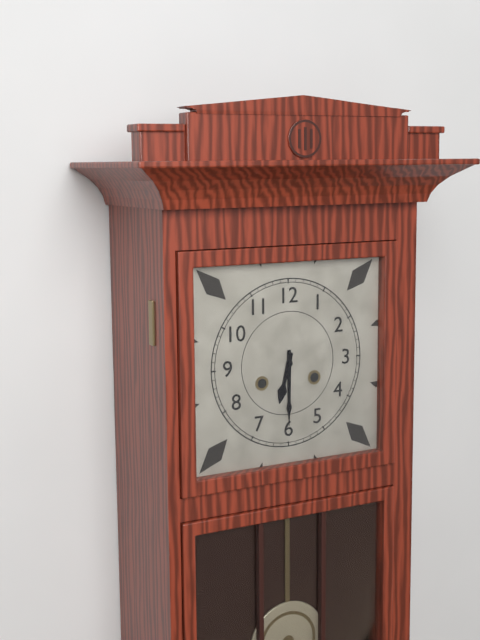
6,30
